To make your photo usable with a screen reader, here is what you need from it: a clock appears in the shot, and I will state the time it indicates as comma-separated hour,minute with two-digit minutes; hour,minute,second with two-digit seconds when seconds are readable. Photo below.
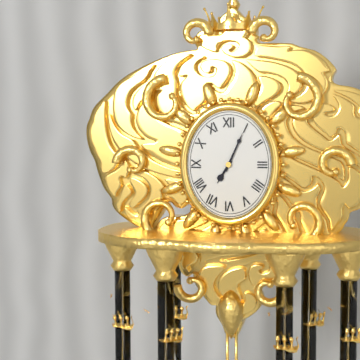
7,04
